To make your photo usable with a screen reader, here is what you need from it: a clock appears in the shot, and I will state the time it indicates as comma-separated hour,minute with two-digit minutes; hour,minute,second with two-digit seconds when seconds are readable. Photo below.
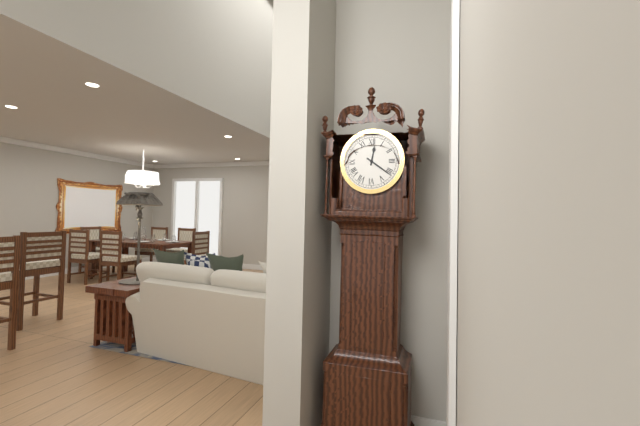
12,21
